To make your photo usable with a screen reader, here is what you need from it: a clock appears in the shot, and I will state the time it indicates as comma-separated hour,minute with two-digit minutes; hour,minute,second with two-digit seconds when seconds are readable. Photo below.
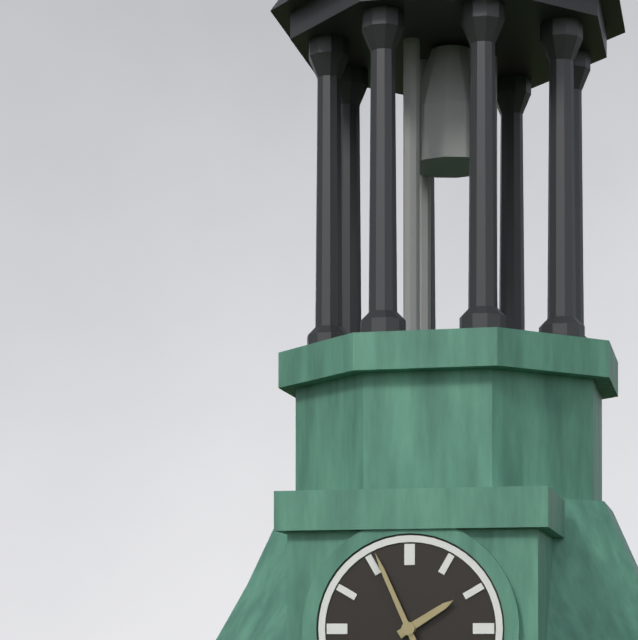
1,56
